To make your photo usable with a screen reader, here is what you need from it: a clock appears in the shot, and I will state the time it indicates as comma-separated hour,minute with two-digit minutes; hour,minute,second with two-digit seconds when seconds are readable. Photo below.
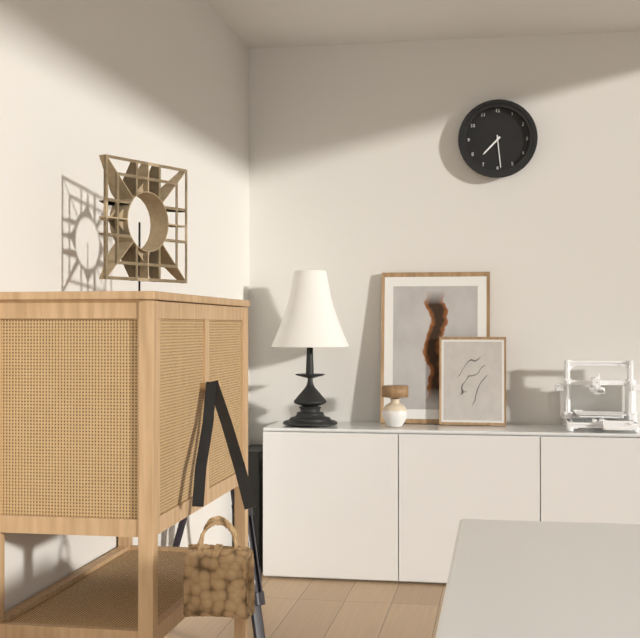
7,29
